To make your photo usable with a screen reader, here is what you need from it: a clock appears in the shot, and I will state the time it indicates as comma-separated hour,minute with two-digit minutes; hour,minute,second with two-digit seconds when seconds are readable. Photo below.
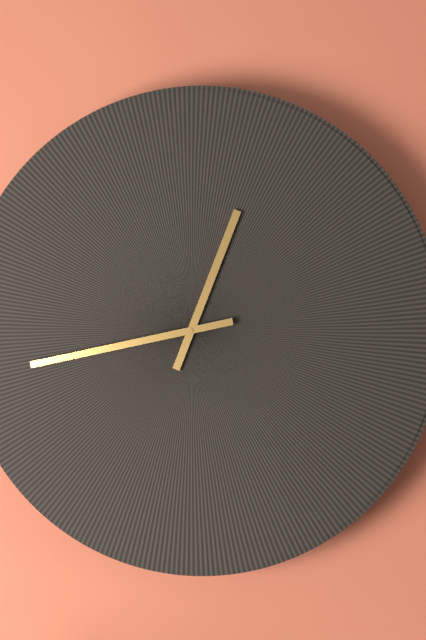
12,43
